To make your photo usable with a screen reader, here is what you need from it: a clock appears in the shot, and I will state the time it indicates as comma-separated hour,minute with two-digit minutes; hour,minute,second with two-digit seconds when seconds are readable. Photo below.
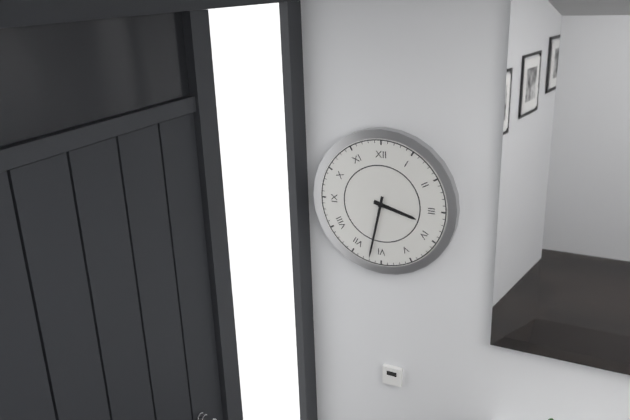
3,32
